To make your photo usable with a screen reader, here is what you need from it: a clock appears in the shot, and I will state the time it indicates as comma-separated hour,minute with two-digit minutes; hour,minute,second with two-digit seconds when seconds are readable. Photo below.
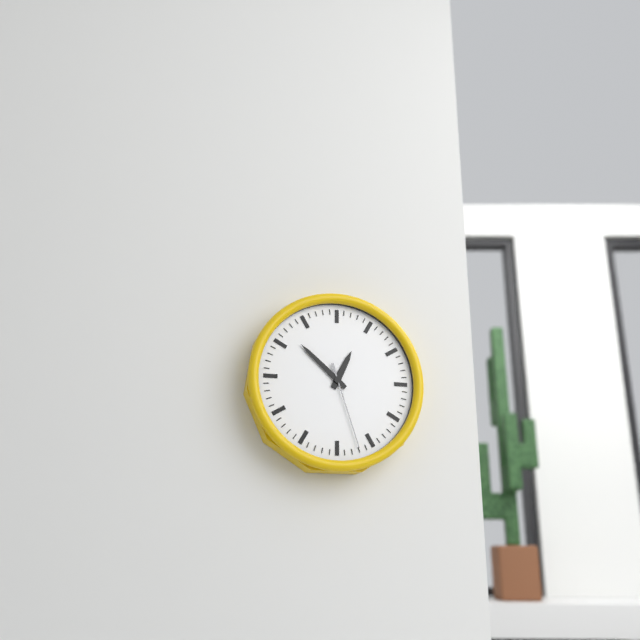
12,52,27
